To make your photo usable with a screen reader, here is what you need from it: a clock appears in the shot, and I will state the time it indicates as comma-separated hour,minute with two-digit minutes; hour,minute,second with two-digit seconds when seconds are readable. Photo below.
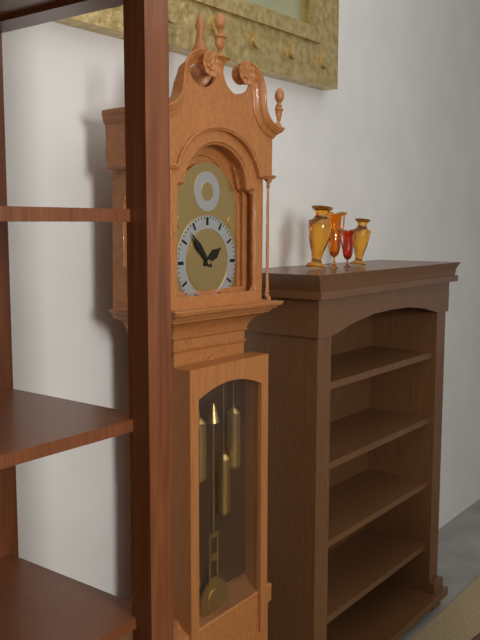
1,53
